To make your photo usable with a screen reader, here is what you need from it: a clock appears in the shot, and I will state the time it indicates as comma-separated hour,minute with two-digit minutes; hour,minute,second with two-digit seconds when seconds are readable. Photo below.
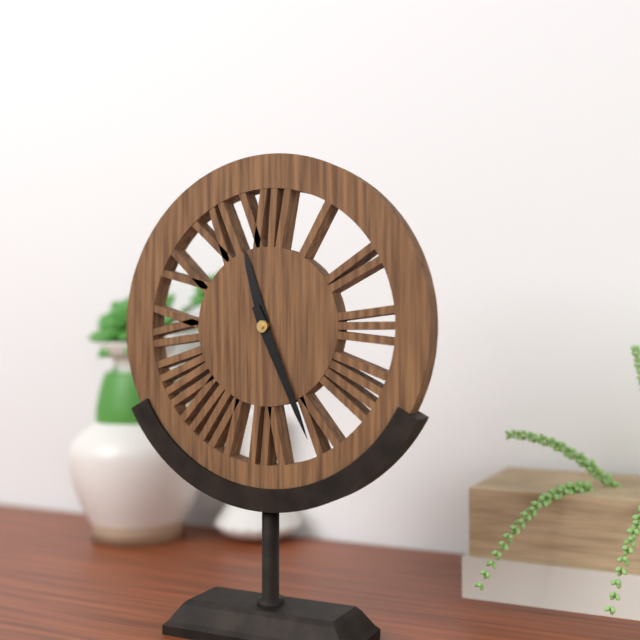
11,26
